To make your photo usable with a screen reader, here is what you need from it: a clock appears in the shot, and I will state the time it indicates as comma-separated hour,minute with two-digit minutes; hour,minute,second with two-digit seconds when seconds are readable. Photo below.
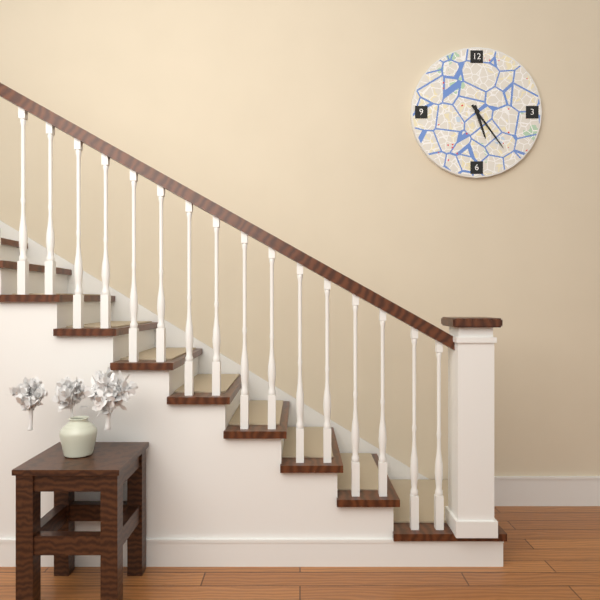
5,24
